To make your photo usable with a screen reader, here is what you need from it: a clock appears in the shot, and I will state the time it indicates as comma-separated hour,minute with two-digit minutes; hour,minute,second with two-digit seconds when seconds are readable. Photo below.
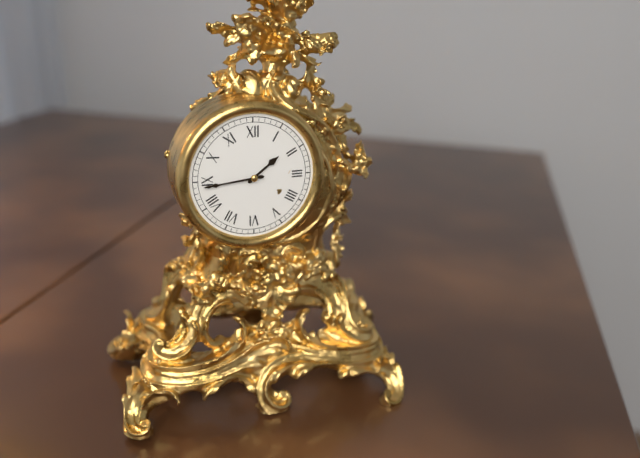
1,44
